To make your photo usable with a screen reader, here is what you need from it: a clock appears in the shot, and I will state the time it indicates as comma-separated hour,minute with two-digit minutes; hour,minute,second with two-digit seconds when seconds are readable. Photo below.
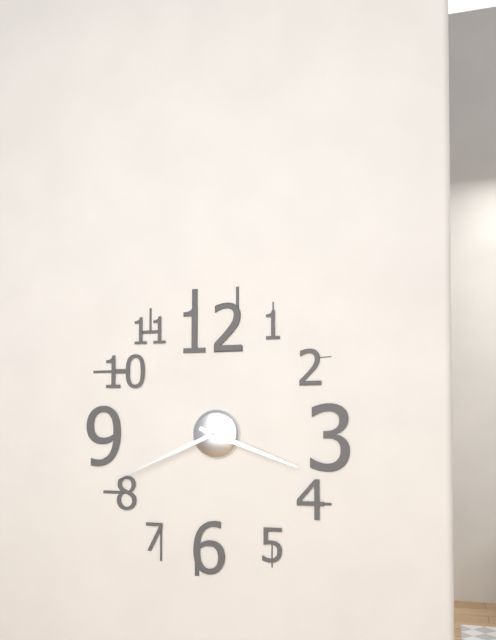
3,41
